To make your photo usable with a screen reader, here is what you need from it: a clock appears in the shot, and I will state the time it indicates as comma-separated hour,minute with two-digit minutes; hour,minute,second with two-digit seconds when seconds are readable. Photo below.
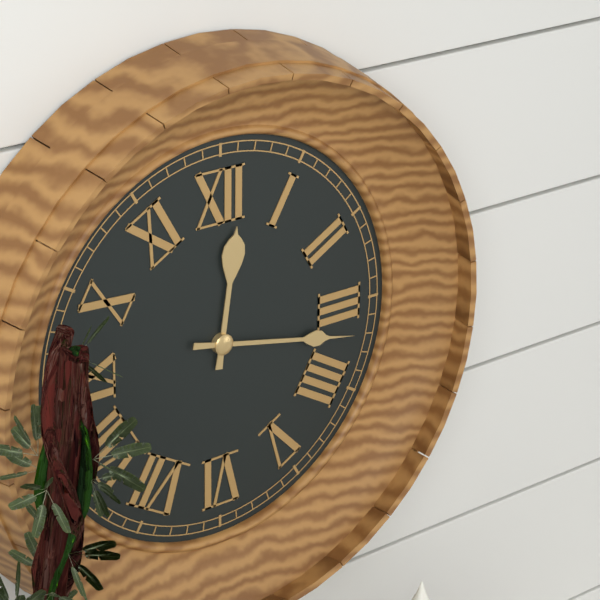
12,17
